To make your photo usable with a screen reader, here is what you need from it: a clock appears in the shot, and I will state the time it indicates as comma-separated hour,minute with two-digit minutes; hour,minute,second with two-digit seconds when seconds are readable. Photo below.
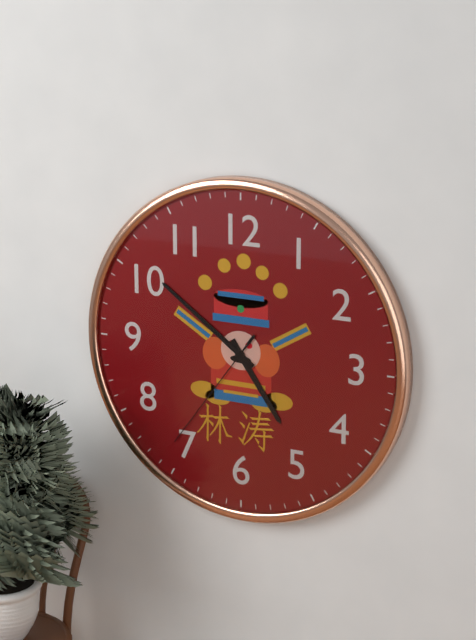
4,51,36
